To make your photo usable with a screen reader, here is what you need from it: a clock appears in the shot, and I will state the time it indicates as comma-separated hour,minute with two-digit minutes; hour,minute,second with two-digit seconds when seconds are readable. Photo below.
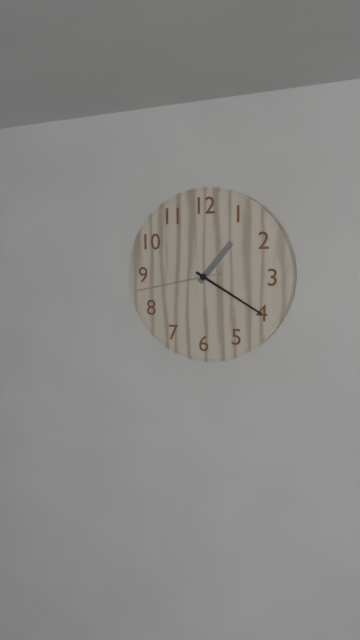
1,20,43
